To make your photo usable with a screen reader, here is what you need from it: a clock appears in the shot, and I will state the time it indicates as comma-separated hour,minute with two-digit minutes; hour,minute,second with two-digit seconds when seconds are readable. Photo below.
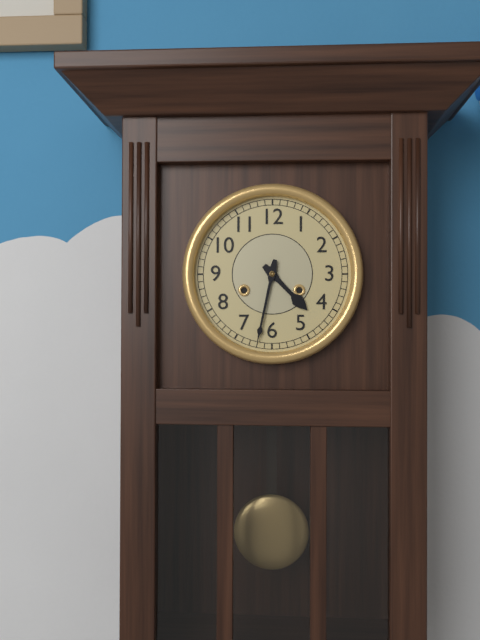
4,32
